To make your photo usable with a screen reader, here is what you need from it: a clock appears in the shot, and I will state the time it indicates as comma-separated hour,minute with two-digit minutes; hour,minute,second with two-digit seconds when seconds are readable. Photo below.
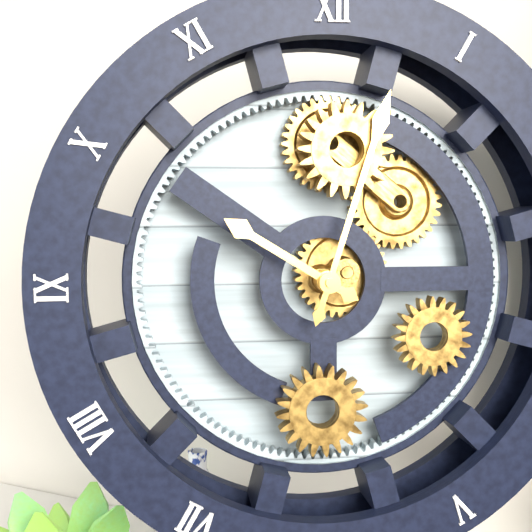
10,03
